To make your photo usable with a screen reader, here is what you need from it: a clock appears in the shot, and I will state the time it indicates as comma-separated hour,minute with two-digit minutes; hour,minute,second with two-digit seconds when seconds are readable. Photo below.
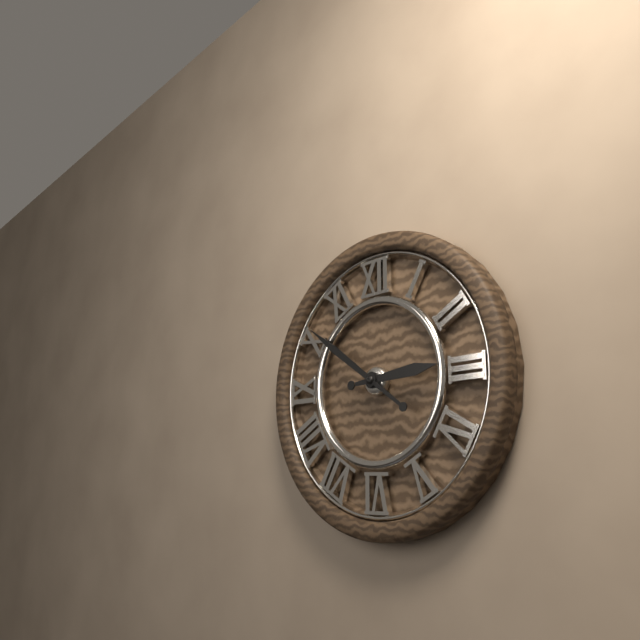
2,51
